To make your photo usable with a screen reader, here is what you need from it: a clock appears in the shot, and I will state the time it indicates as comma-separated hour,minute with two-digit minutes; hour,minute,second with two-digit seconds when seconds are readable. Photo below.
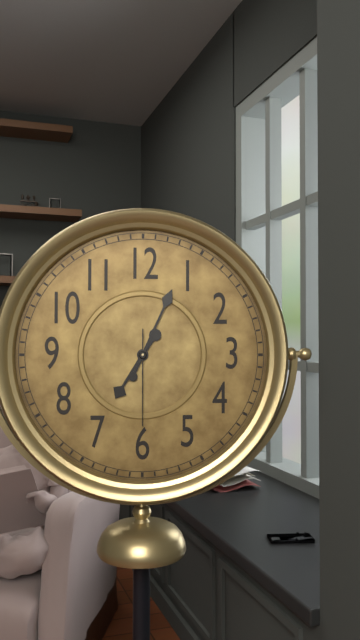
7,04,30
